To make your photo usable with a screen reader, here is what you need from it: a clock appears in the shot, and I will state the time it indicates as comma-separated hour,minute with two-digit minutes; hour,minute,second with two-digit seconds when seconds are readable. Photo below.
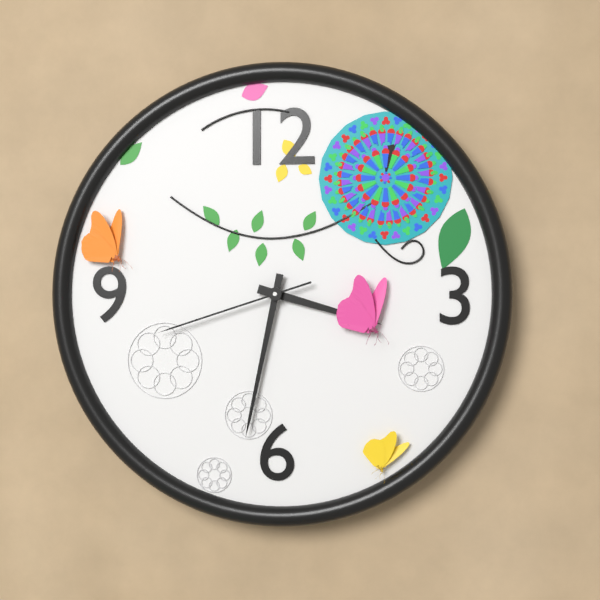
3,32,42
